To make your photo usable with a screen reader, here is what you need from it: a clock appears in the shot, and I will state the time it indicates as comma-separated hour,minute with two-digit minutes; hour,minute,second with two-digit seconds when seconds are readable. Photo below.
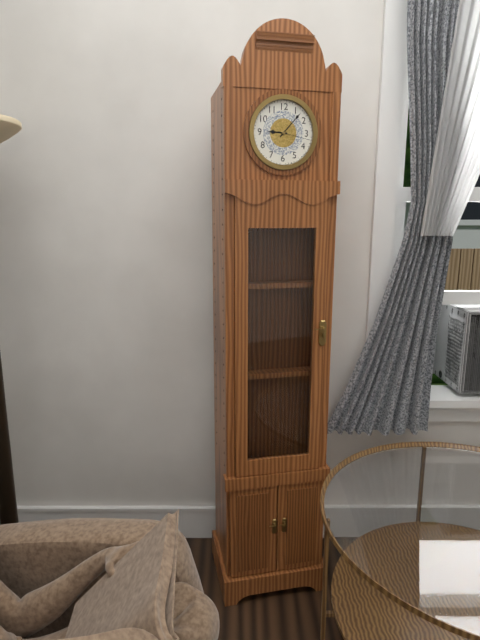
9,07
